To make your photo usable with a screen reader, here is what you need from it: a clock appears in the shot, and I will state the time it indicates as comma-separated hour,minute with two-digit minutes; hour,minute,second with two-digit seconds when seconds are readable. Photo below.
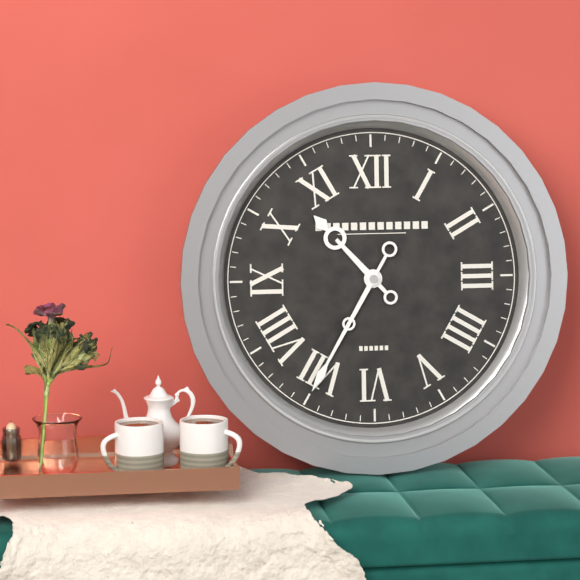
10,35
